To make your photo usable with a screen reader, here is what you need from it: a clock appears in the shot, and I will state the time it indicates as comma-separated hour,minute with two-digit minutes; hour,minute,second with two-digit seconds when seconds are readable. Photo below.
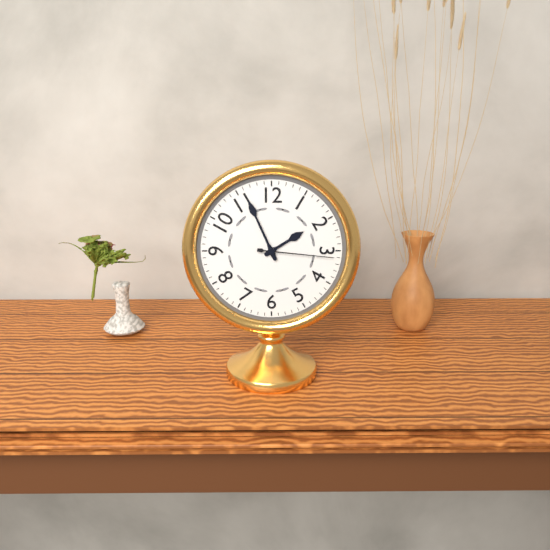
1,56,16
